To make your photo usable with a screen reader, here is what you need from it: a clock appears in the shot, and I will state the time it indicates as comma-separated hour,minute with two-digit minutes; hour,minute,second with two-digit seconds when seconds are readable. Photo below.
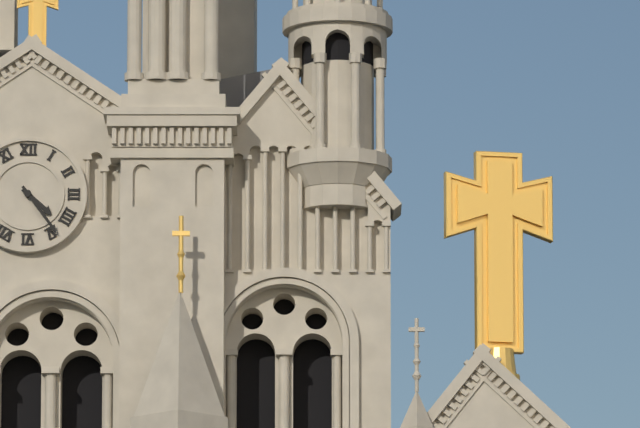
4,24
